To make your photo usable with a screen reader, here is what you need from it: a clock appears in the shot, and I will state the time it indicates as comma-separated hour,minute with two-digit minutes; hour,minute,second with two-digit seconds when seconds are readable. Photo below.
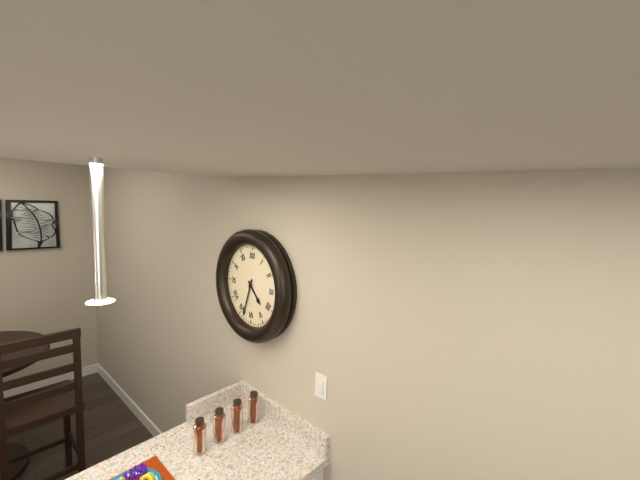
4,33
